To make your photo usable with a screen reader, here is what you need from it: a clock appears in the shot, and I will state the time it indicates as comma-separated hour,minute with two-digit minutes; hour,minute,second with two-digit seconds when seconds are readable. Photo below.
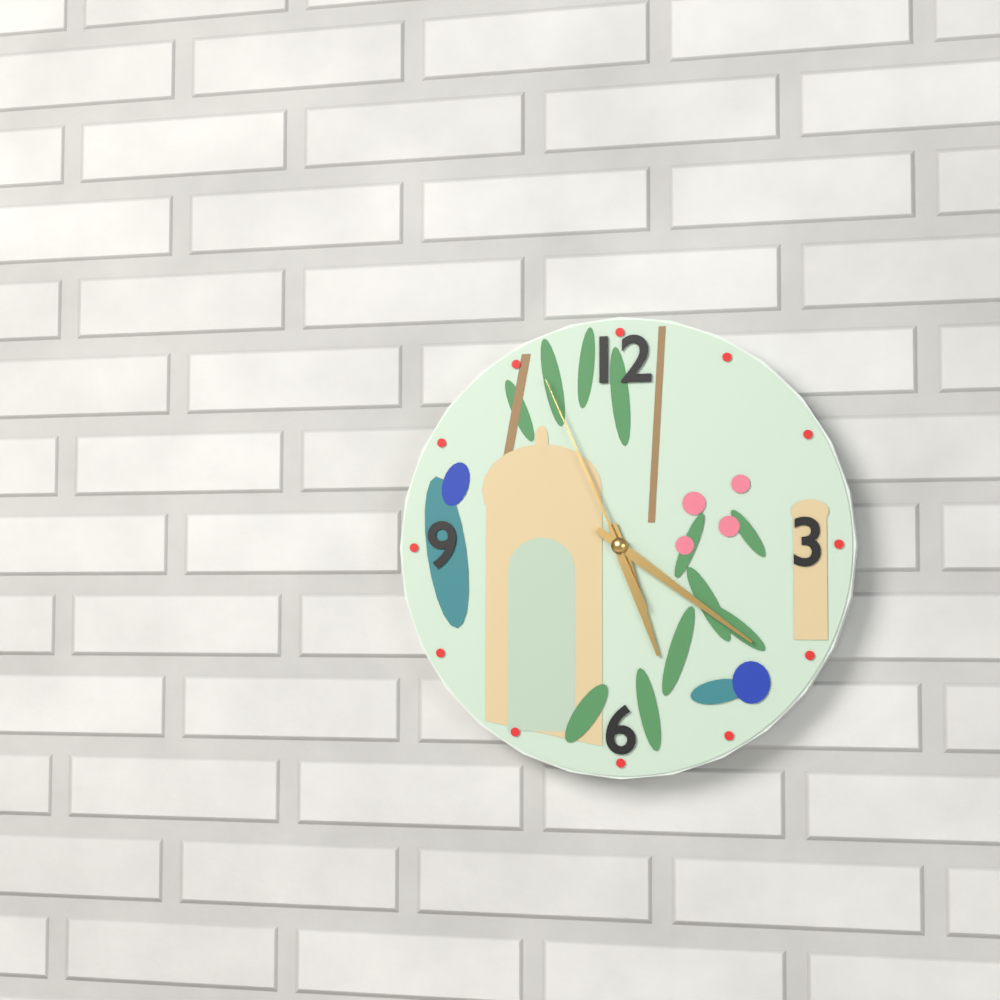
5,21,56
